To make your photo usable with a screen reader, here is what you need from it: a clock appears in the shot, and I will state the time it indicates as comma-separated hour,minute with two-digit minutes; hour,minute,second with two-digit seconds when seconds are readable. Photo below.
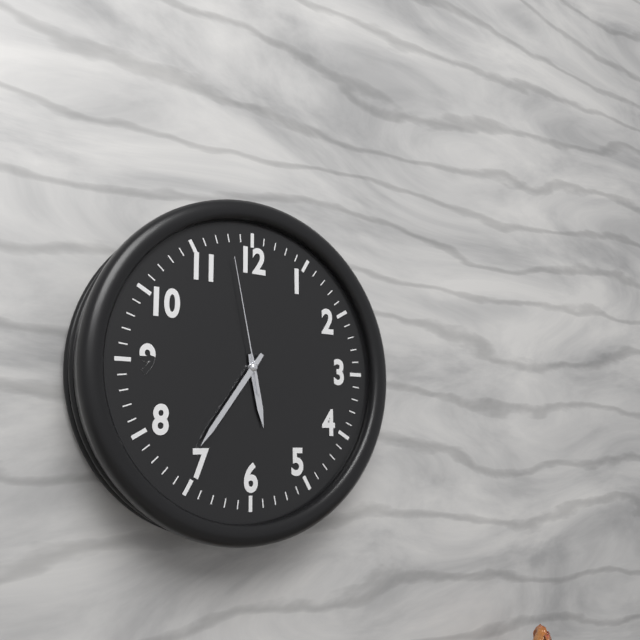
5,36,58
